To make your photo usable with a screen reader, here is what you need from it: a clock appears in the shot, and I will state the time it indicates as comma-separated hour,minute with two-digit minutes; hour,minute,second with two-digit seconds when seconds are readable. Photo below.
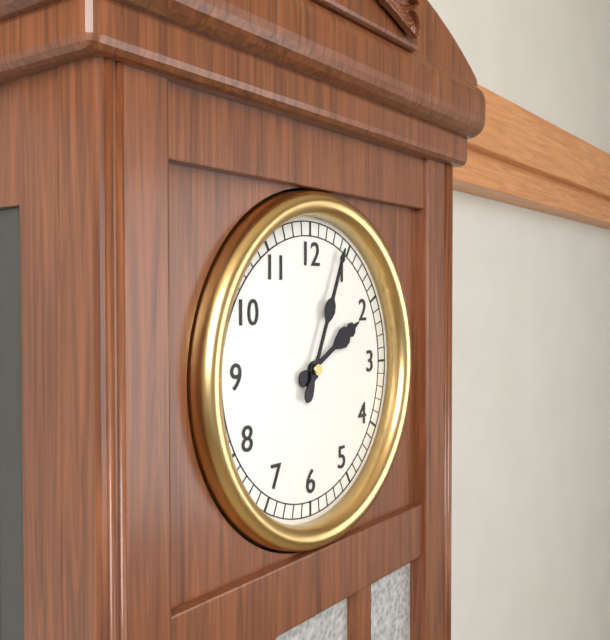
2,04
